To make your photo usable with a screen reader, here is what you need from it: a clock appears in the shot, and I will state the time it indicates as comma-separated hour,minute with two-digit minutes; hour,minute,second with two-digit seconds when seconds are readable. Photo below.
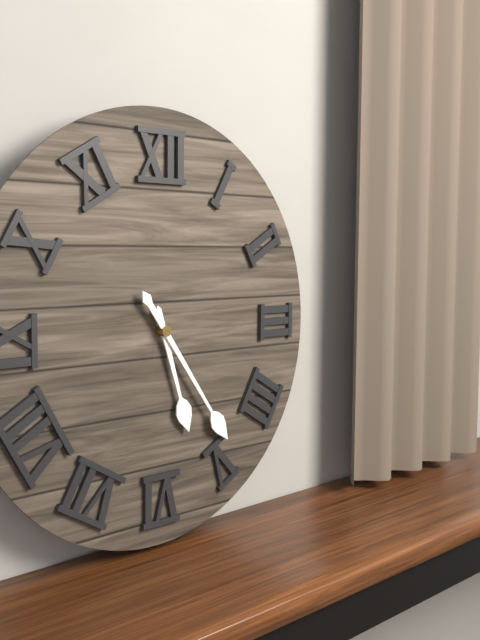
5,24
